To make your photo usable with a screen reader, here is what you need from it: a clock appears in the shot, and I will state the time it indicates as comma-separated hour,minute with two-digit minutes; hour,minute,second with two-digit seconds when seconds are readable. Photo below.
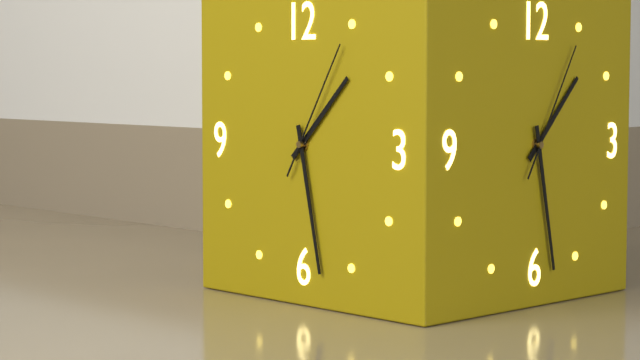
1,28,05
